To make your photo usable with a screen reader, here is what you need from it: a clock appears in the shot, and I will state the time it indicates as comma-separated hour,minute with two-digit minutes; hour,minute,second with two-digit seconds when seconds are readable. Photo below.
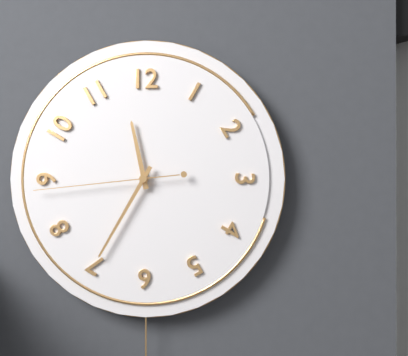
11,35,44
